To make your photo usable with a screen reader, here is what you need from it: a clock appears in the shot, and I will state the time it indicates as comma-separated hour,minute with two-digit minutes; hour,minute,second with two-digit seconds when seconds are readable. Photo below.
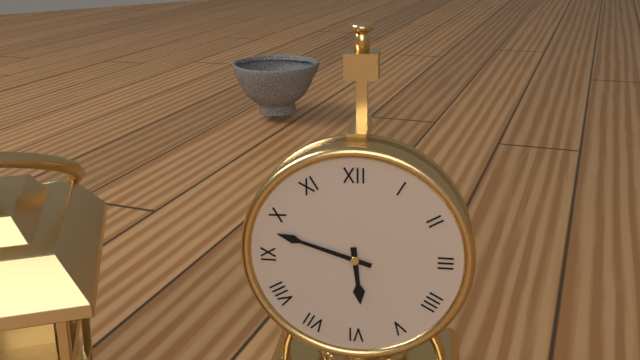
5,48
